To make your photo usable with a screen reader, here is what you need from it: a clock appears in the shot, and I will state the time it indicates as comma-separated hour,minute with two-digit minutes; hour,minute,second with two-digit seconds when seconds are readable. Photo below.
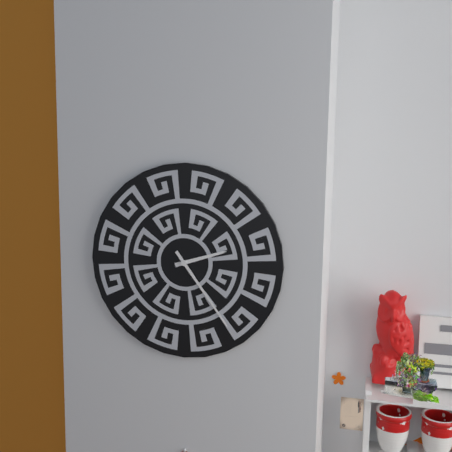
2,24
